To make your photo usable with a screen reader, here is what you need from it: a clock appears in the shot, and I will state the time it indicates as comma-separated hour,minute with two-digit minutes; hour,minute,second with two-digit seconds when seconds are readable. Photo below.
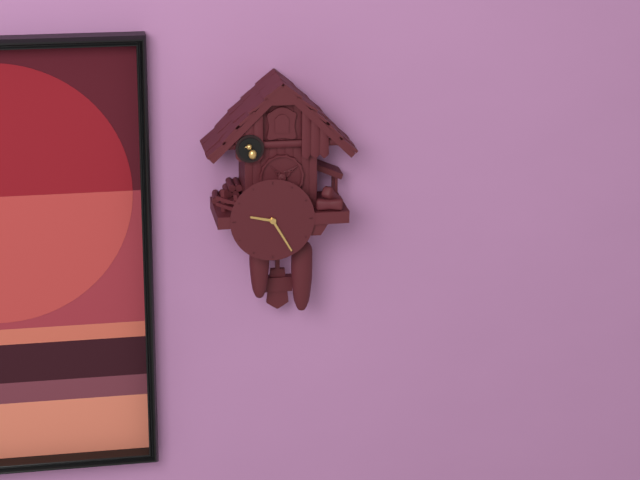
9,25
